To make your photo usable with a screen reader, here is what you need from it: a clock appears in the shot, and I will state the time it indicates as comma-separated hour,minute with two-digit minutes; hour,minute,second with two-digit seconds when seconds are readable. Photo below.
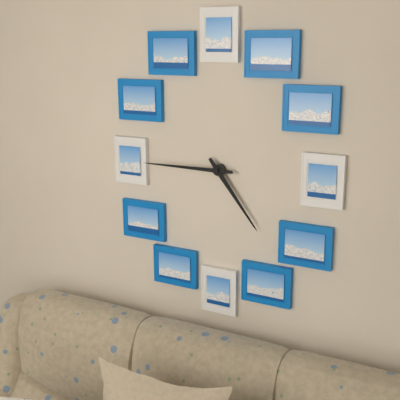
4,45
